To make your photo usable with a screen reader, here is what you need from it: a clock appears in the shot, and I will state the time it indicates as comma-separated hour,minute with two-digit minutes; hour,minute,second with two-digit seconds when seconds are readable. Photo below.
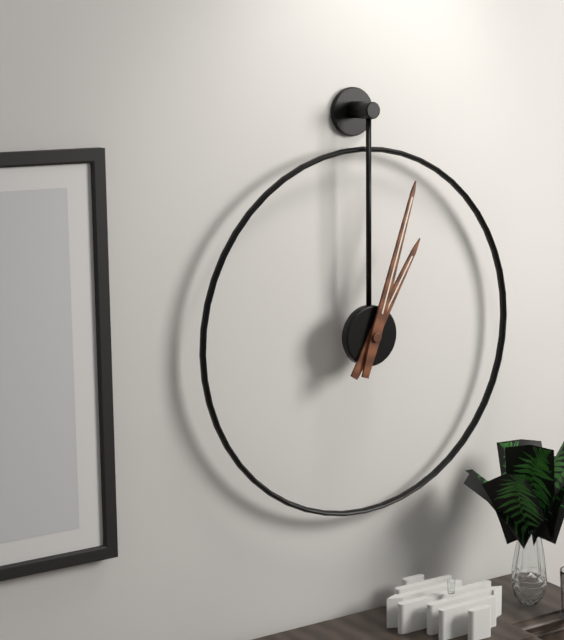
1,03
